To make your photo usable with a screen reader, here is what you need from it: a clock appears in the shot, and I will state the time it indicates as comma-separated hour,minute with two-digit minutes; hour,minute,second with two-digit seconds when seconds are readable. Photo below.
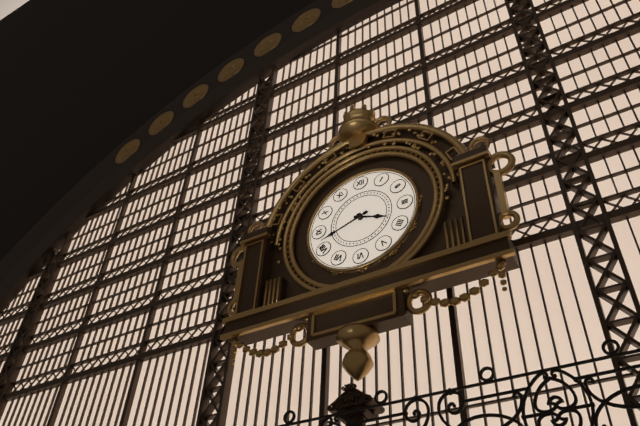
3,42
